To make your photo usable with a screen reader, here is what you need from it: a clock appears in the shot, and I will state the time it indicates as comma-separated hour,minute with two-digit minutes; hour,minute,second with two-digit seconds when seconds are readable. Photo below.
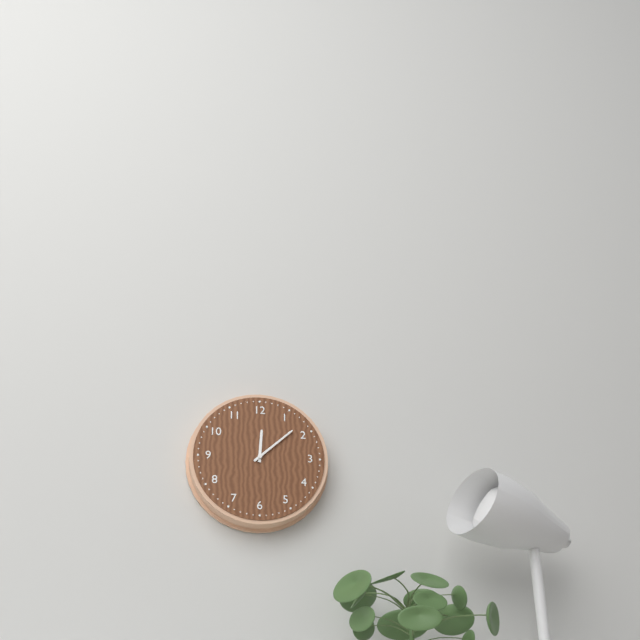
12,08
